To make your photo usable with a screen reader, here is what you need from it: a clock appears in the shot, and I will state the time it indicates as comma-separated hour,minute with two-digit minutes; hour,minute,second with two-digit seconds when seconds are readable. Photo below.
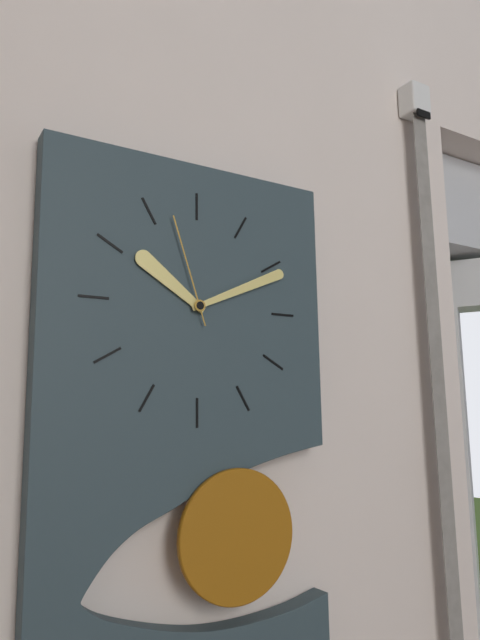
10,11,57
